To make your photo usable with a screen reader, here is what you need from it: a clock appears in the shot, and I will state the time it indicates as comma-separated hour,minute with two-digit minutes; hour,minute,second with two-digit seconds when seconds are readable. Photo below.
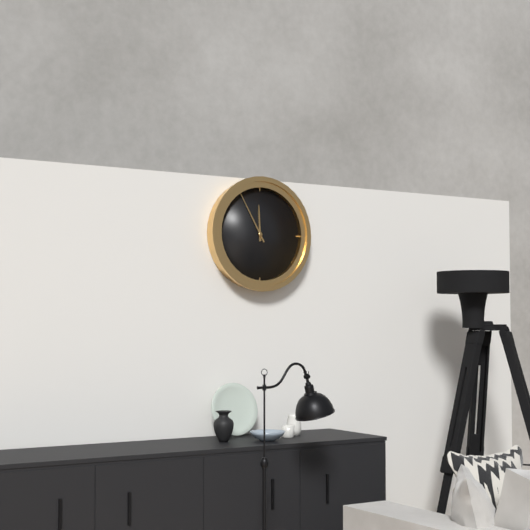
11,55
